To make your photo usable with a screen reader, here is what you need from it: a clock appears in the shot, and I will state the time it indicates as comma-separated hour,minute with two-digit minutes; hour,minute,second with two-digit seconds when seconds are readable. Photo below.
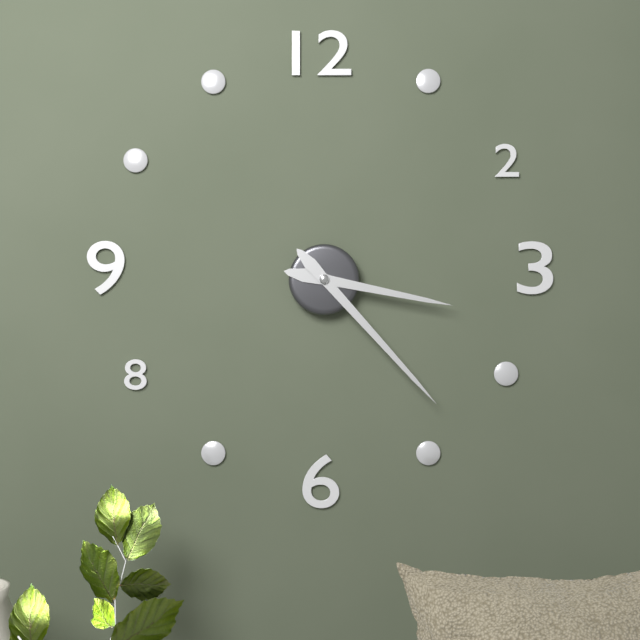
3,23
